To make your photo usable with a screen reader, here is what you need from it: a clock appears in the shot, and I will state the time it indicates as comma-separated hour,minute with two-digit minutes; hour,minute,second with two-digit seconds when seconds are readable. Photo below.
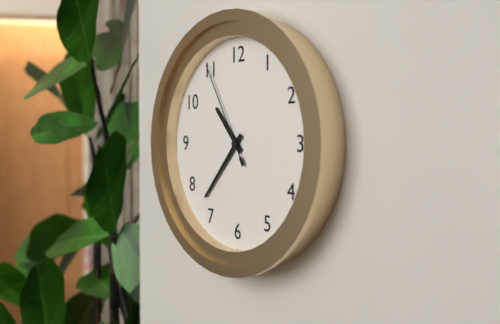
10,37,55
